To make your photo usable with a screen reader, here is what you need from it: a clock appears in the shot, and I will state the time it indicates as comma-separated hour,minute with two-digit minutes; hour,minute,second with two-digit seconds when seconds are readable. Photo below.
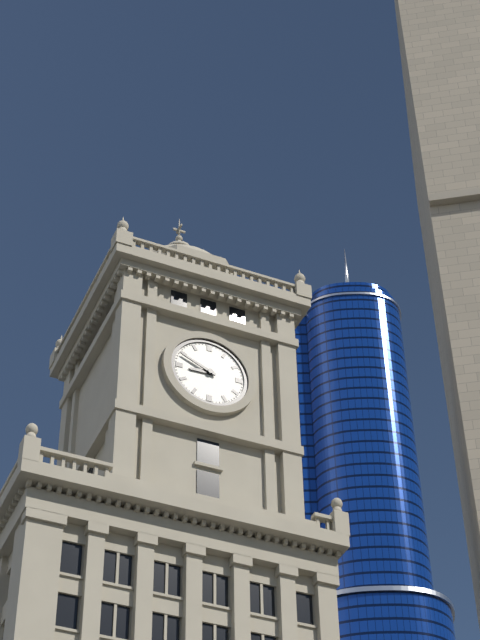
8,49
